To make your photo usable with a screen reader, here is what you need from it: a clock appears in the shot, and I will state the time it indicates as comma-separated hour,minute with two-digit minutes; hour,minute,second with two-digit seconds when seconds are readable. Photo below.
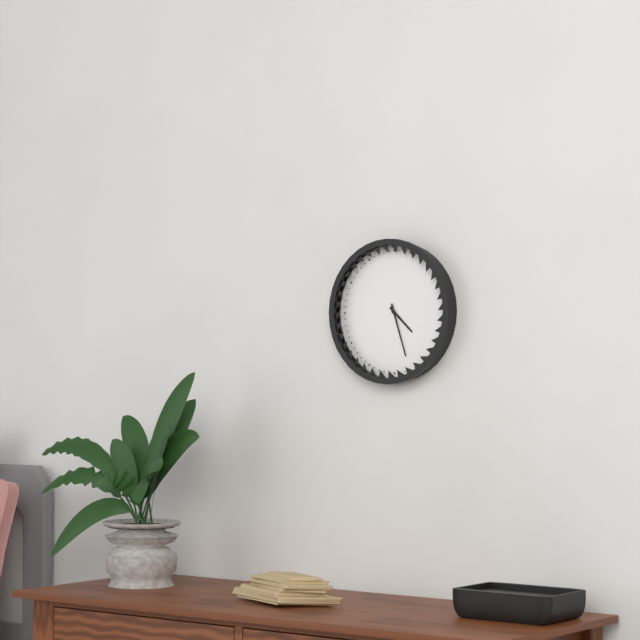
4,27
